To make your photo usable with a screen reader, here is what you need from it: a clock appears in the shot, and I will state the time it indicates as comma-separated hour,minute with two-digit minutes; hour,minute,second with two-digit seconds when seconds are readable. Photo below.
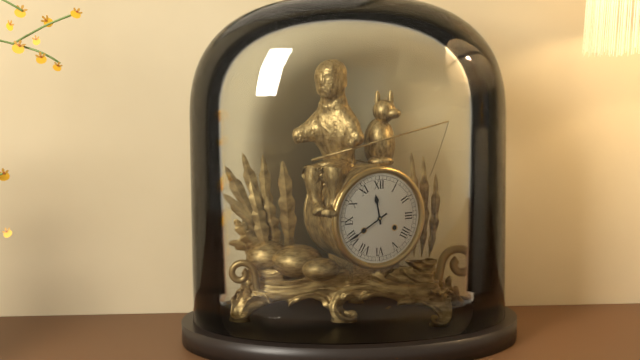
11,40
